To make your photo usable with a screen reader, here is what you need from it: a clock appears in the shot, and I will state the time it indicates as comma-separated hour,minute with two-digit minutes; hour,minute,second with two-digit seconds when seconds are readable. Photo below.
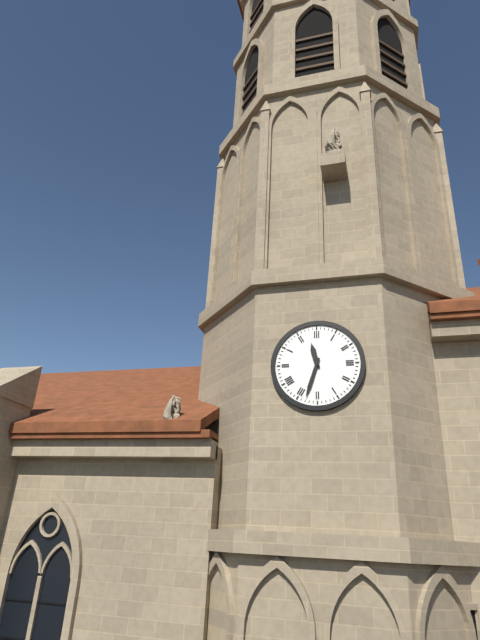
11,33
